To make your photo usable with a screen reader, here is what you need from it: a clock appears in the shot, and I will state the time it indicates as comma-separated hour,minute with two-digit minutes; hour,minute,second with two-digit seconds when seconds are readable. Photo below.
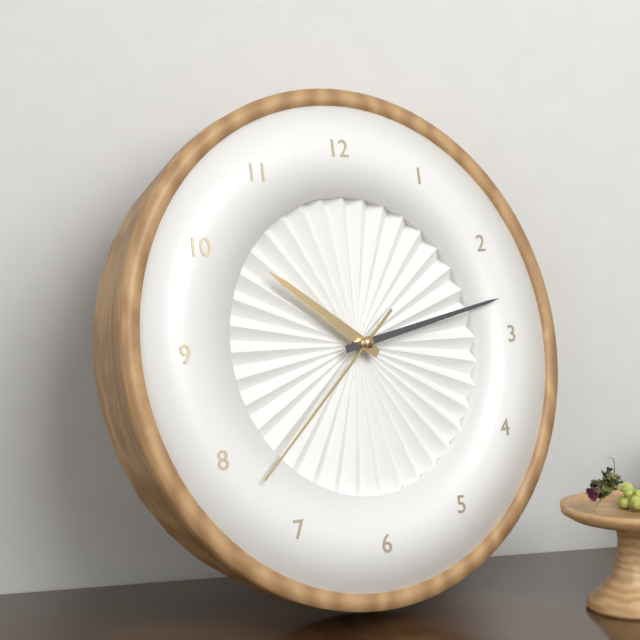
10,13,38
